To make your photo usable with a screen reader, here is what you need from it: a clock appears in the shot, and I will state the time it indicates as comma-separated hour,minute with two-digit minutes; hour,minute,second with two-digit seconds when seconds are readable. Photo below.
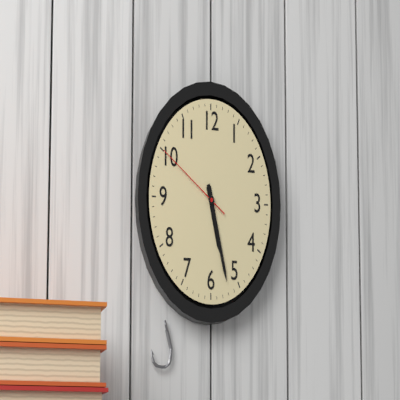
5,27,50
